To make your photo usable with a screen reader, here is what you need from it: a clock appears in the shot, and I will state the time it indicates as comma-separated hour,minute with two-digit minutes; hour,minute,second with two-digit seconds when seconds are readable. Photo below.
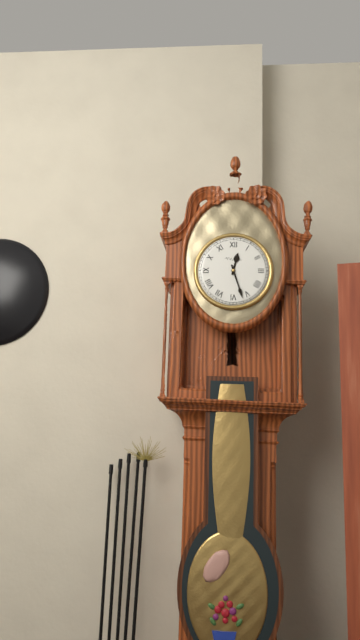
12,27
